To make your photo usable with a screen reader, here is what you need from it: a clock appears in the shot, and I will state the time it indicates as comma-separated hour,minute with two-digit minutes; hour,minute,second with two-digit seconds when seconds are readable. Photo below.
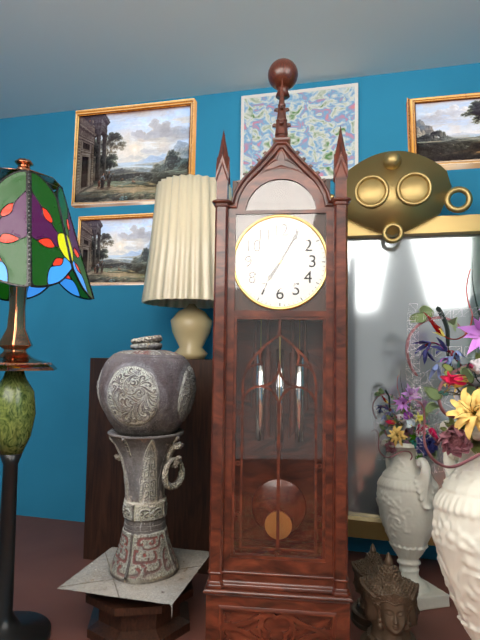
7,05
